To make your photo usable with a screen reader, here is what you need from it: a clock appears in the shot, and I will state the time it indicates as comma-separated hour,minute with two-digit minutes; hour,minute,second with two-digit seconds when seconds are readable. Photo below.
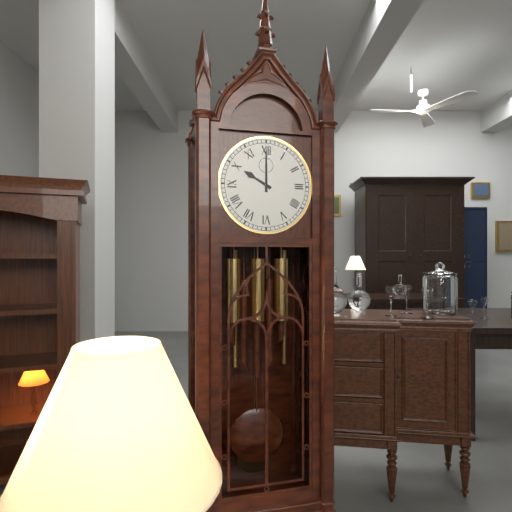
10,00
